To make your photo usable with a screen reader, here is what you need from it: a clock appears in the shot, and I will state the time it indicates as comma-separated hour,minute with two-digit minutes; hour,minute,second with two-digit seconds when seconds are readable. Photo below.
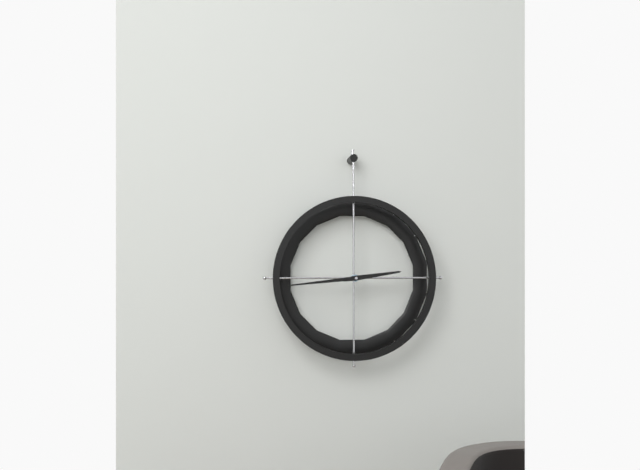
2,44
